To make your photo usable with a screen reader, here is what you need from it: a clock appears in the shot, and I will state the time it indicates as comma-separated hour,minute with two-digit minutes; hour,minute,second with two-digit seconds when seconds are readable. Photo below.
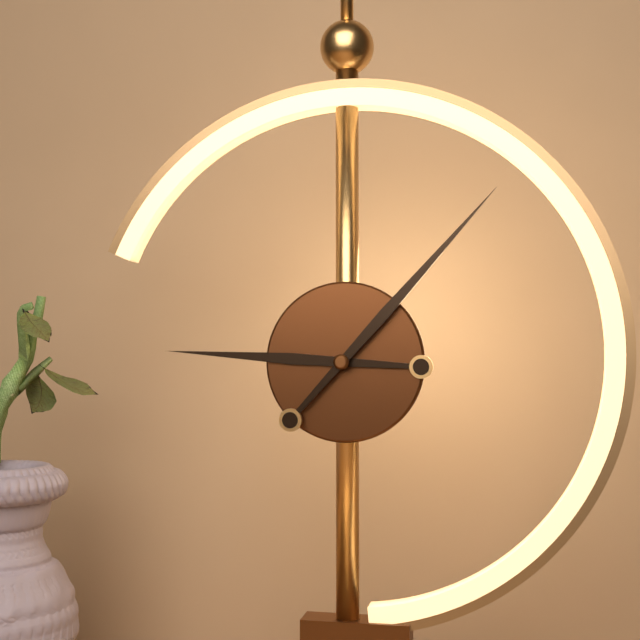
9,07
